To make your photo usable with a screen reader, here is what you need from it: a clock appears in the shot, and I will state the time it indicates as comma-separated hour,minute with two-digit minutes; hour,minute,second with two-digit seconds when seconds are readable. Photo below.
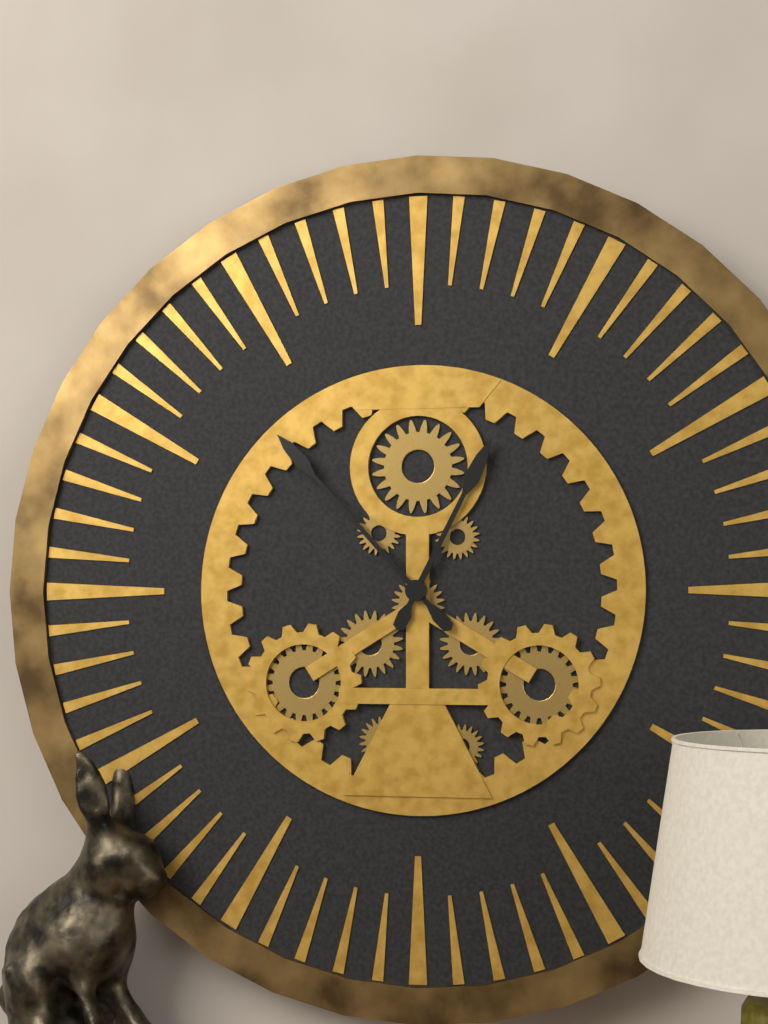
12,53
